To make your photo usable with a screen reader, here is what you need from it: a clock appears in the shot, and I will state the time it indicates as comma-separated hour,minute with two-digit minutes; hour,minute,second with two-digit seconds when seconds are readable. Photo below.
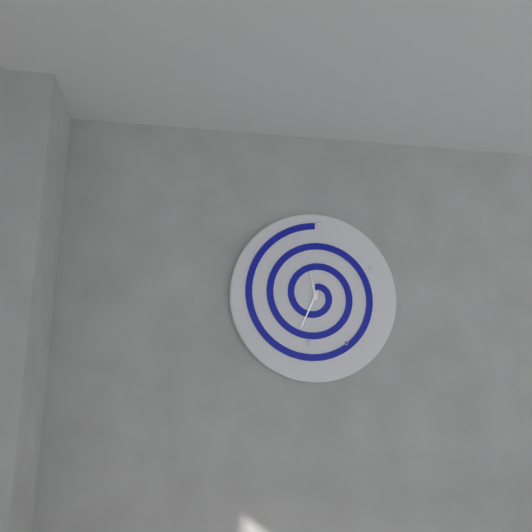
11,34
